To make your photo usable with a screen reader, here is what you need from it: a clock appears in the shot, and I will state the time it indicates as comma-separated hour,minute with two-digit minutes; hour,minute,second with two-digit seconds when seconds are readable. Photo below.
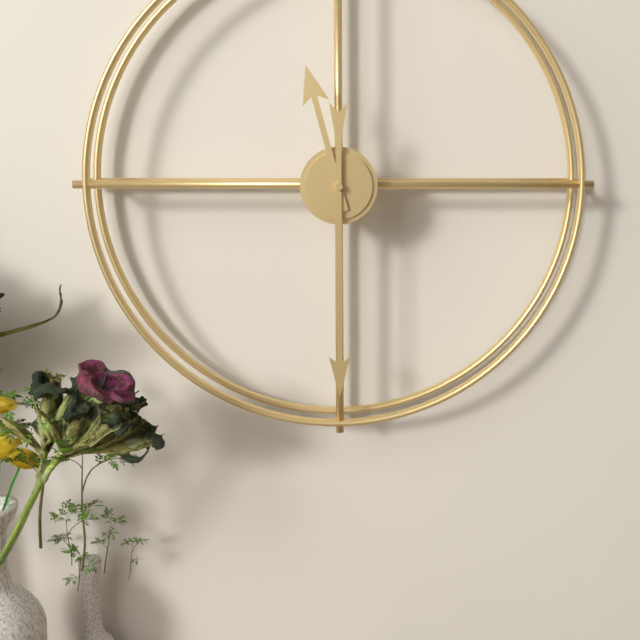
11,30
